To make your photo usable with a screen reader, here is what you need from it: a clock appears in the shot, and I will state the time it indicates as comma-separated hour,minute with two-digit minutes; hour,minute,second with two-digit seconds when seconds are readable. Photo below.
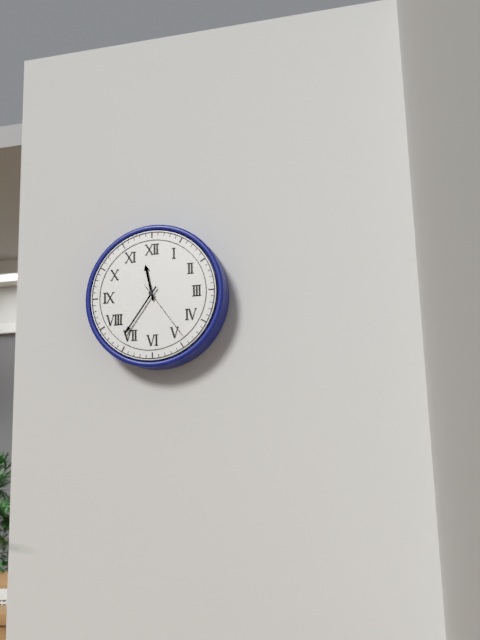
11,36,24
